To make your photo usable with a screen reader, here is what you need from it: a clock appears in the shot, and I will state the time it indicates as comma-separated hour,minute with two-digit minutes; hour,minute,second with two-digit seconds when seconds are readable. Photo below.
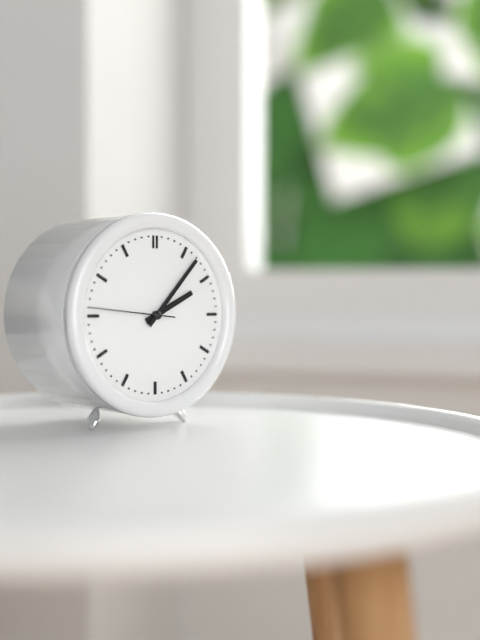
2,07,46
